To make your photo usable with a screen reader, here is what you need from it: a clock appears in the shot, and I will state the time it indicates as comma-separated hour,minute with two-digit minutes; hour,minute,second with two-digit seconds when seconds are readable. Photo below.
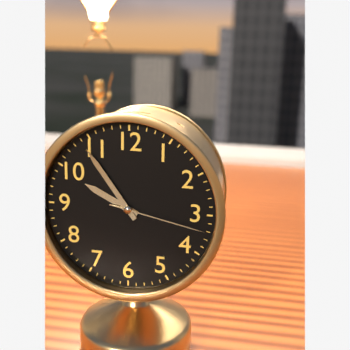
9,54,17
